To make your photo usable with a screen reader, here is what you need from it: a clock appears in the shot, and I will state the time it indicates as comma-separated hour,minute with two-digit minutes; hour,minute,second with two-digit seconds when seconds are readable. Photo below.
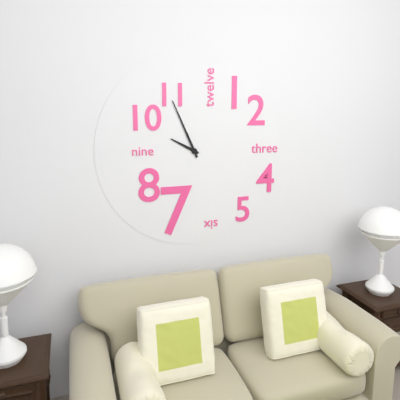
9,56
